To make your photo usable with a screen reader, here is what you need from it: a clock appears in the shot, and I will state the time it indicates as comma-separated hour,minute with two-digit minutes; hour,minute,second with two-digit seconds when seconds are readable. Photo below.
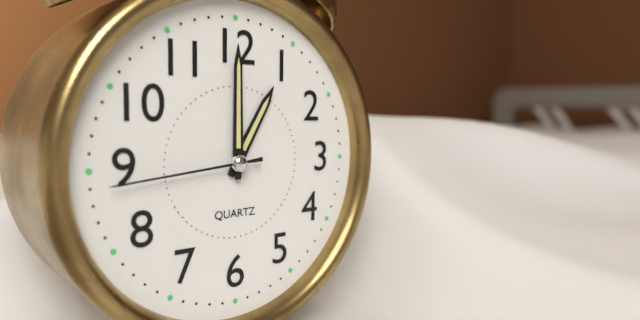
1,00,44
